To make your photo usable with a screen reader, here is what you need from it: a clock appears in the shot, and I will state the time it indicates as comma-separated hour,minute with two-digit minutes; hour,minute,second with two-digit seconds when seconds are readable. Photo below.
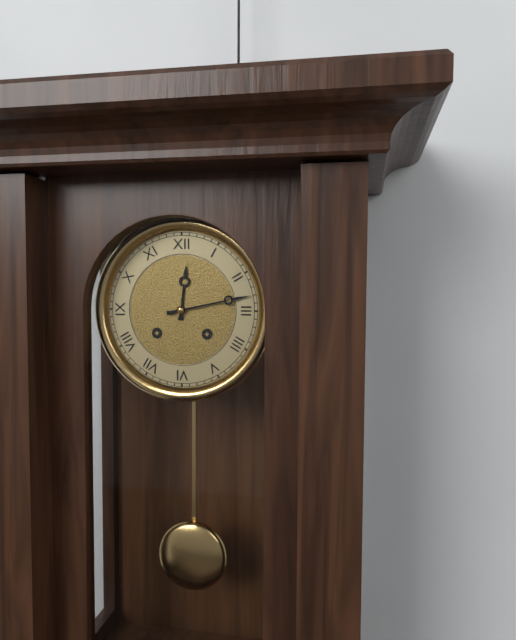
12,13
